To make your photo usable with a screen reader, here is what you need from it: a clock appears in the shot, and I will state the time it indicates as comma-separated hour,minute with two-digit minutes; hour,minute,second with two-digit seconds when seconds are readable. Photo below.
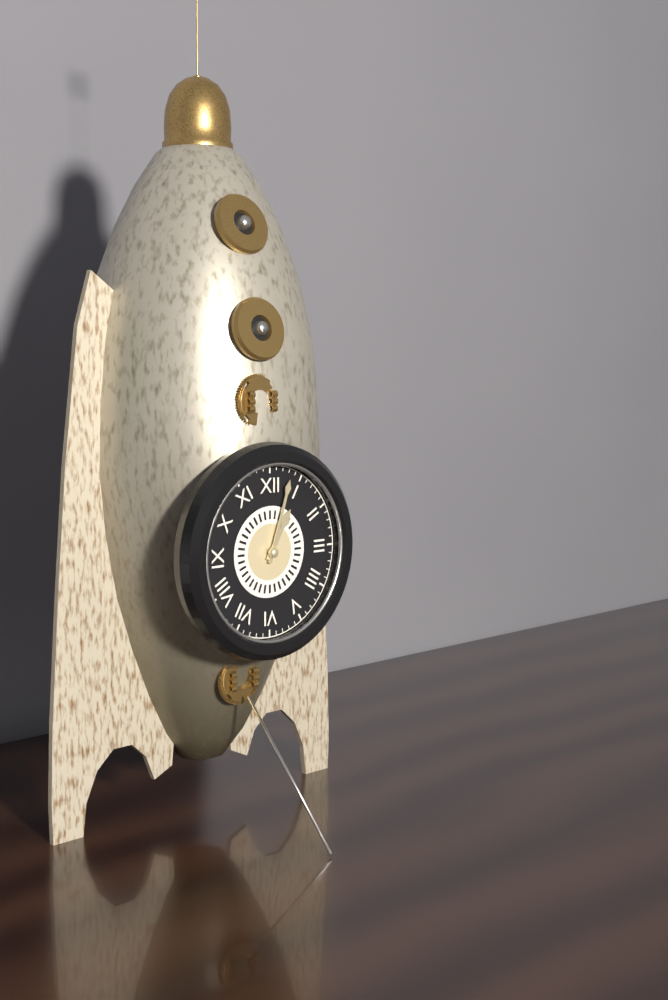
1,03
